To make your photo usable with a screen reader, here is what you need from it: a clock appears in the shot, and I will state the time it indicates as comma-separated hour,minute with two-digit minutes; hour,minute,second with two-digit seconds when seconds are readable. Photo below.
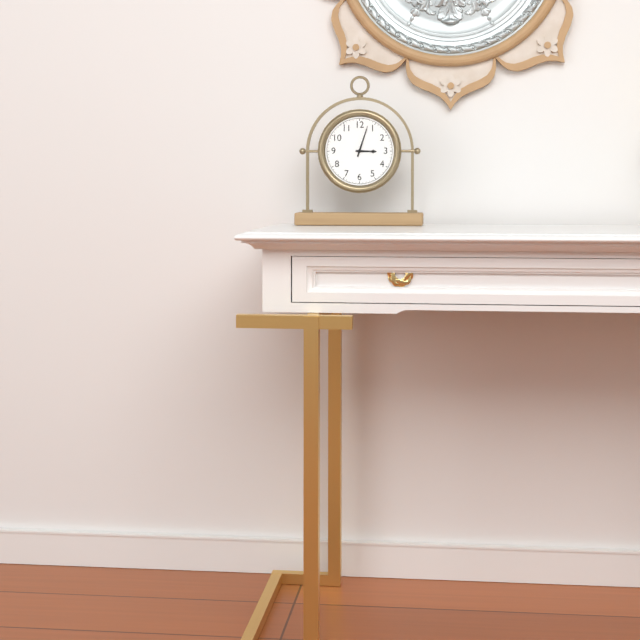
3,03
